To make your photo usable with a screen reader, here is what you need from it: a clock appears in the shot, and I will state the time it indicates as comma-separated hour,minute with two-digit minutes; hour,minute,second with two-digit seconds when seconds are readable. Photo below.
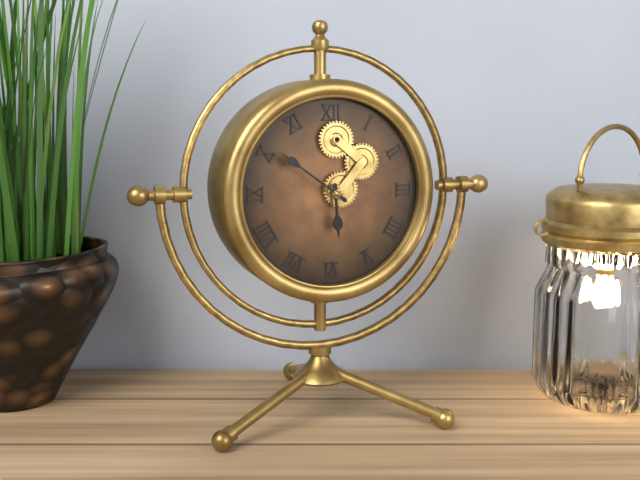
5,51
